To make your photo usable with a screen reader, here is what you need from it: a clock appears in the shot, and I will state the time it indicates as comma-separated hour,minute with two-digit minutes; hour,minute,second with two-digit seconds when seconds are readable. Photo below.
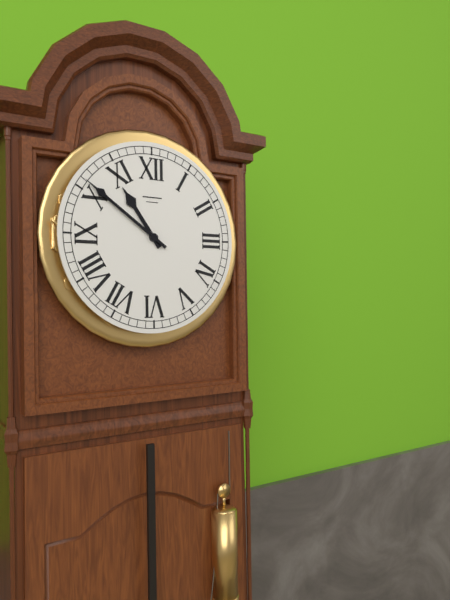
10,51
